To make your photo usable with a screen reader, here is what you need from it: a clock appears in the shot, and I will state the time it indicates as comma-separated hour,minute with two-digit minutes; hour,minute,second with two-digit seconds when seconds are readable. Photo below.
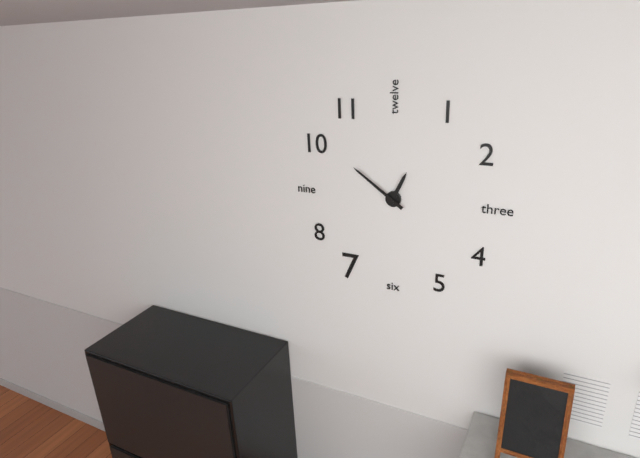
12,51
